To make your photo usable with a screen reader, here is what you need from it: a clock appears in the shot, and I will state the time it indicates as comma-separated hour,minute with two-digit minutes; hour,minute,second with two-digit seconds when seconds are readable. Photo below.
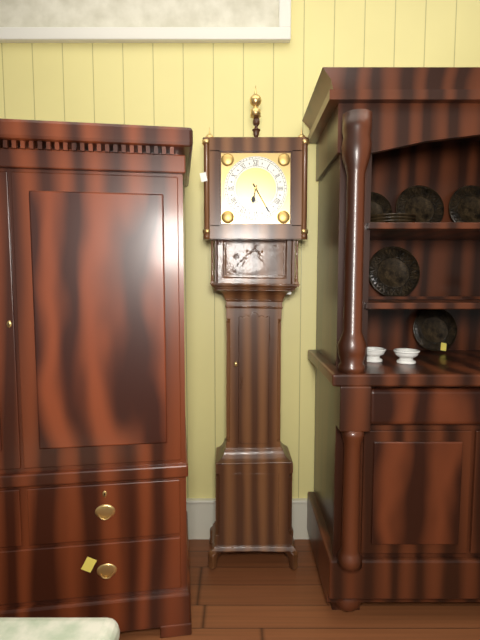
6,25
